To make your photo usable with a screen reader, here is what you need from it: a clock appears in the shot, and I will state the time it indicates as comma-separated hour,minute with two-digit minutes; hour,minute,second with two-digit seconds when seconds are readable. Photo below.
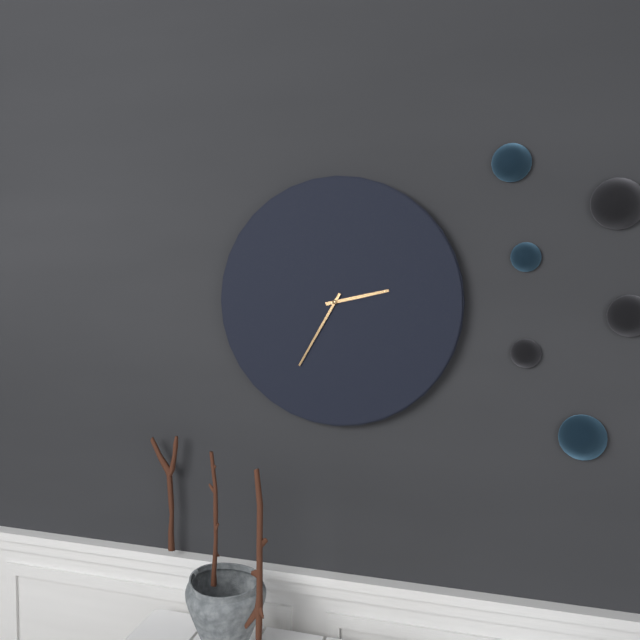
2,35
